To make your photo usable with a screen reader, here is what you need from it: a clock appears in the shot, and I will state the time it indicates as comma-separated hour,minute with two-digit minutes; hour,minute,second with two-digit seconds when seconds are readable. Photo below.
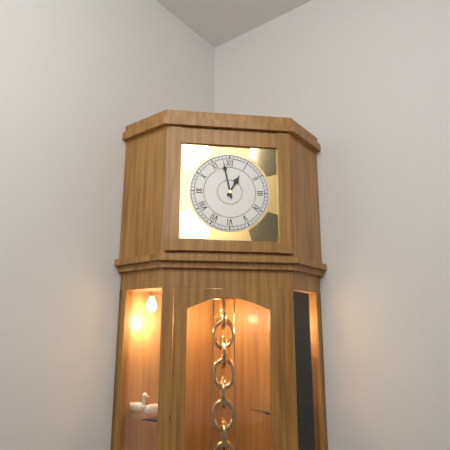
12,58
